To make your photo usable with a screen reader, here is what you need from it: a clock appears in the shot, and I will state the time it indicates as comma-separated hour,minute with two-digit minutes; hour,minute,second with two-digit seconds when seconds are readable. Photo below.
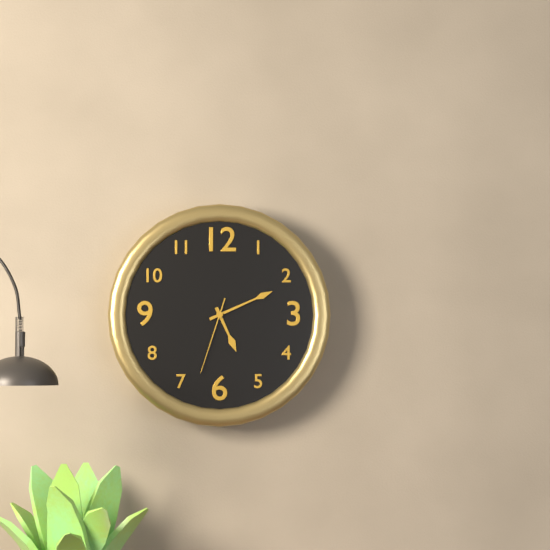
5,11,33
